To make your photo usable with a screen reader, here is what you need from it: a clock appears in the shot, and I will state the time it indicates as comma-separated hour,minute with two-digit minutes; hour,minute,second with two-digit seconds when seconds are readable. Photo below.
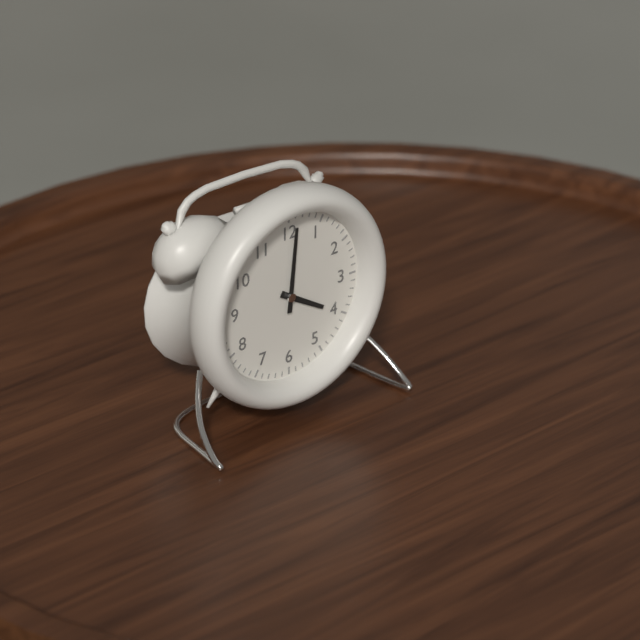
4,01
